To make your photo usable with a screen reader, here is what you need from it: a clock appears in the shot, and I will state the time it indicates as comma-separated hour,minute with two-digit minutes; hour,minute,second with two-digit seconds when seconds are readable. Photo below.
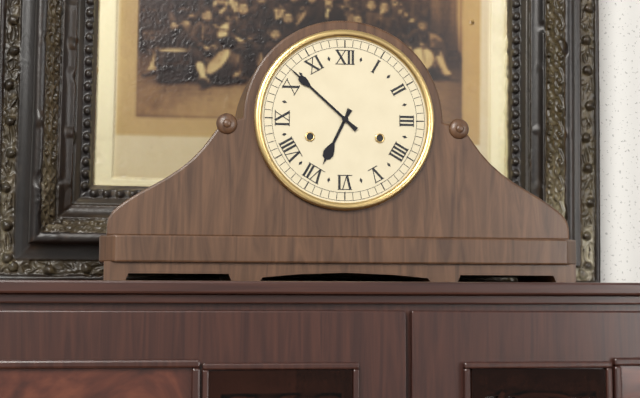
6,52
